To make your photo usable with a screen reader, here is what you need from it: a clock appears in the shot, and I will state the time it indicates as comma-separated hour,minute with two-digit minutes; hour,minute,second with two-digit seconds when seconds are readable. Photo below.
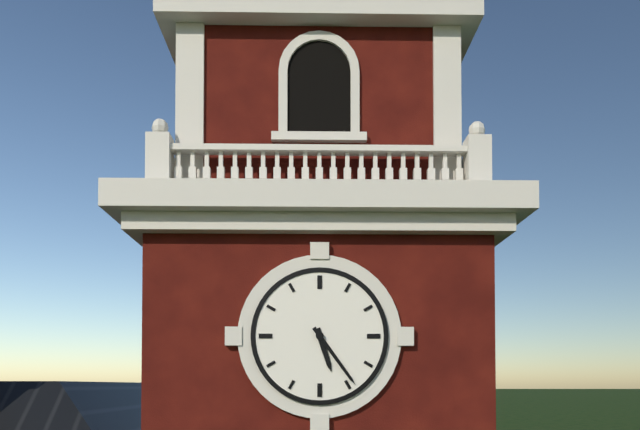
5,24
